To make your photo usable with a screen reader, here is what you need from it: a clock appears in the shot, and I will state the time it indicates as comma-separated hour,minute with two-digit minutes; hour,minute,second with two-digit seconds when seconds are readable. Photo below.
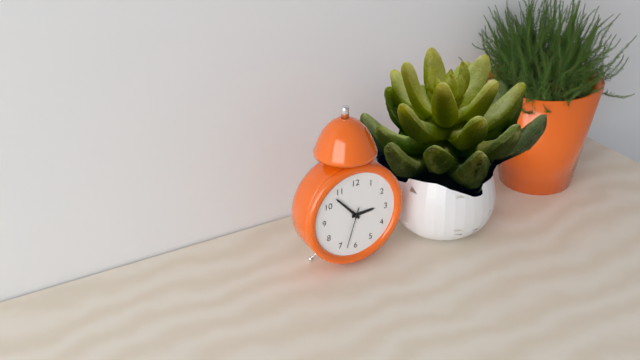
2,53
